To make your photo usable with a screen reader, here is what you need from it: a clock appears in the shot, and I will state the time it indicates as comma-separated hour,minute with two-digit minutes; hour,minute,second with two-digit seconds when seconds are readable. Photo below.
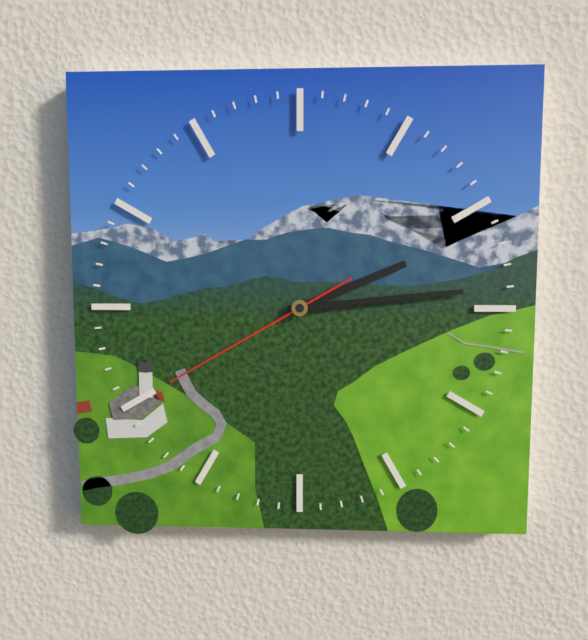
2,14,40
